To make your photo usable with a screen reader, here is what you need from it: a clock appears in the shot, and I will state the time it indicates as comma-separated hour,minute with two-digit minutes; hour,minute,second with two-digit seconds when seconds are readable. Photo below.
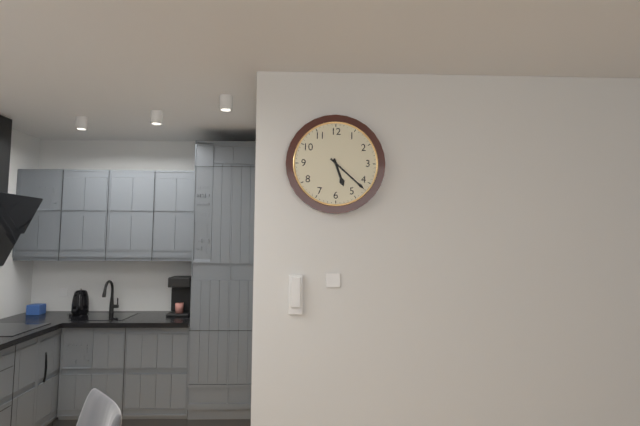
5,22
